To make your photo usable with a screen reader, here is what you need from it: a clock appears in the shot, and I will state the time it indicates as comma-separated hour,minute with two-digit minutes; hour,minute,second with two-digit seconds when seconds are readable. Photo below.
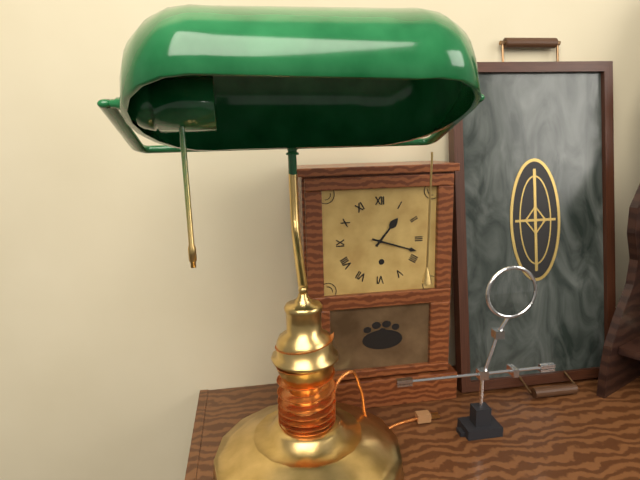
1,18
